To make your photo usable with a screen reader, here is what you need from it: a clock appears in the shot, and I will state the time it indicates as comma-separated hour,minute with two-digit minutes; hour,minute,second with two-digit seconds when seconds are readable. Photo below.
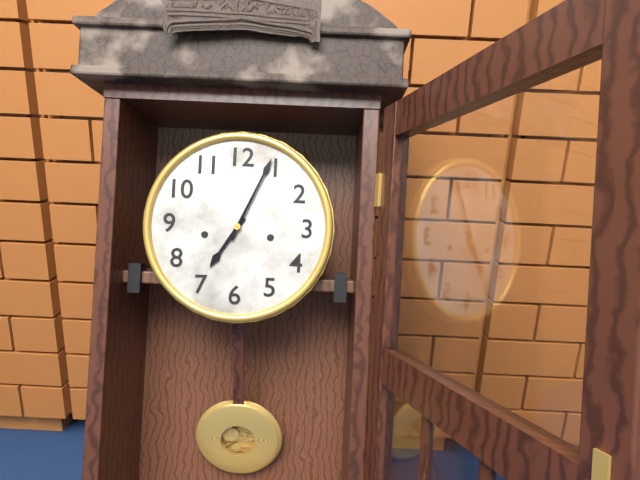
7,04
